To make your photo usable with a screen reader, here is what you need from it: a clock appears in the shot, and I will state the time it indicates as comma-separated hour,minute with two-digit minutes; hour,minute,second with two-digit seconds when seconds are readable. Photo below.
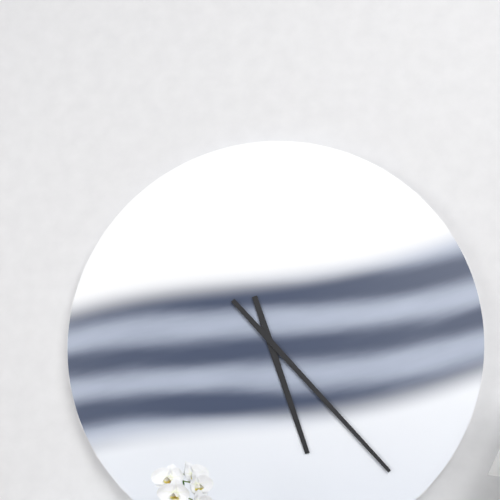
5,23
